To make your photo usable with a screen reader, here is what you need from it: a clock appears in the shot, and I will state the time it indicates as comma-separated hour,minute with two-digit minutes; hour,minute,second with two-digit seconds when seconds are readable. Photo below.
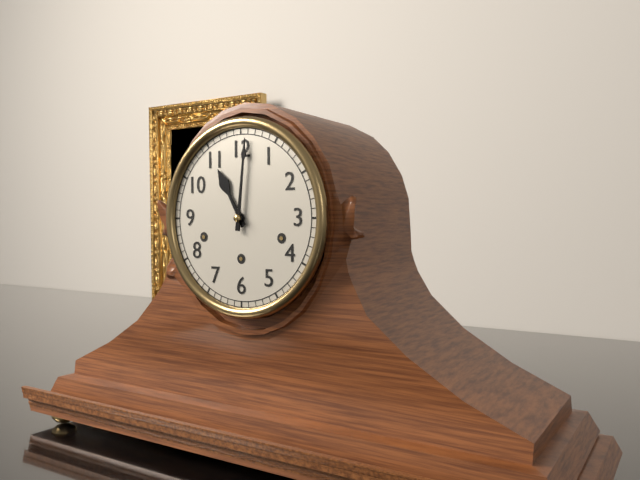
11,01
